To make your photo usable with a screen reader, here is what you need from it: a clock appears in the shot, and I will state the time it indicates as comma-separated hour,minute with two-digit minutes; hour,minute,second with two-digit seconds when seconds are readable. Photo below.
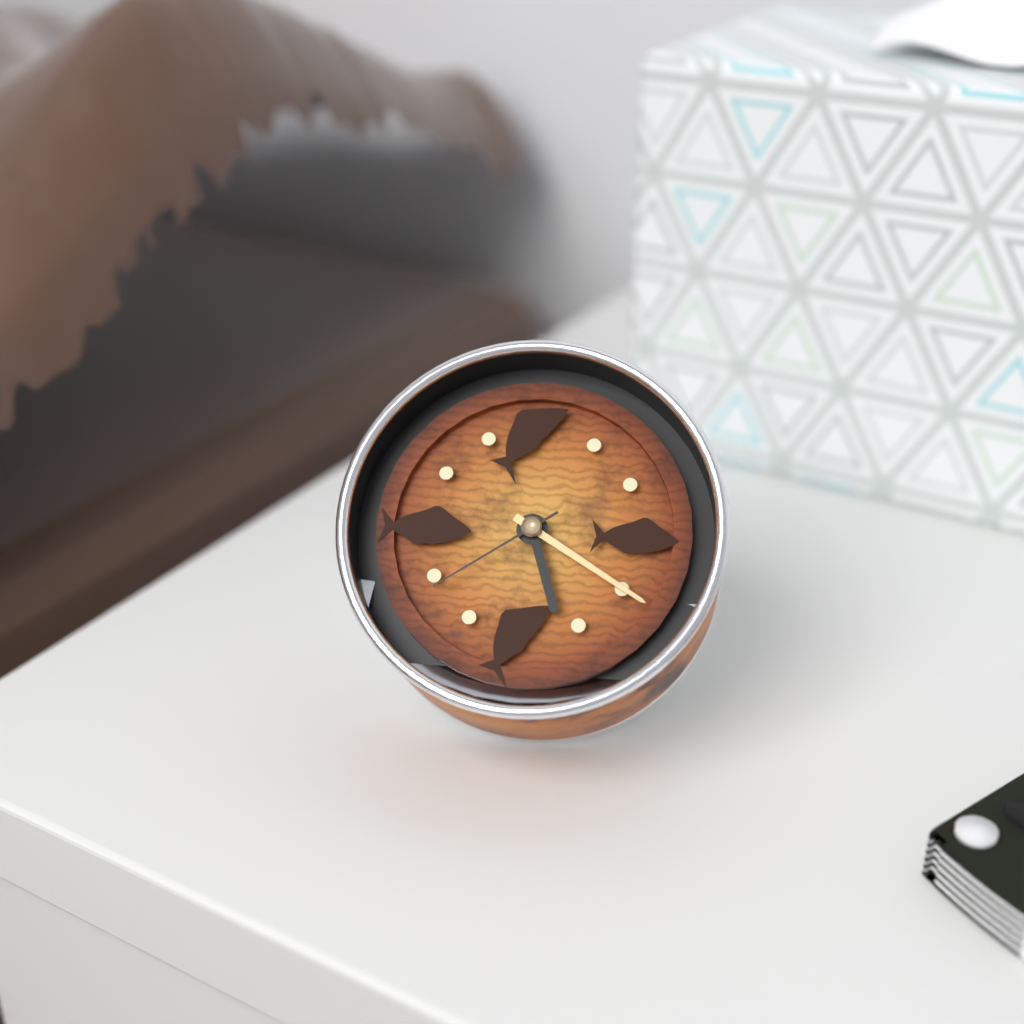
5,20,39
